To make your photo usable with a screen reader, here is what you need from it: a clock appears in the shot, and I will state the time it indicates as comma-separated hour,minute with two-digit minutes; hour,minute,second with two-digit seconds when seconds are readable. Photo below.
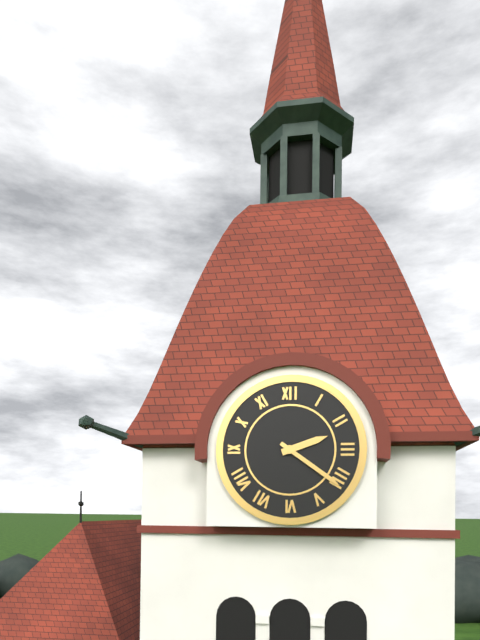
2,21
